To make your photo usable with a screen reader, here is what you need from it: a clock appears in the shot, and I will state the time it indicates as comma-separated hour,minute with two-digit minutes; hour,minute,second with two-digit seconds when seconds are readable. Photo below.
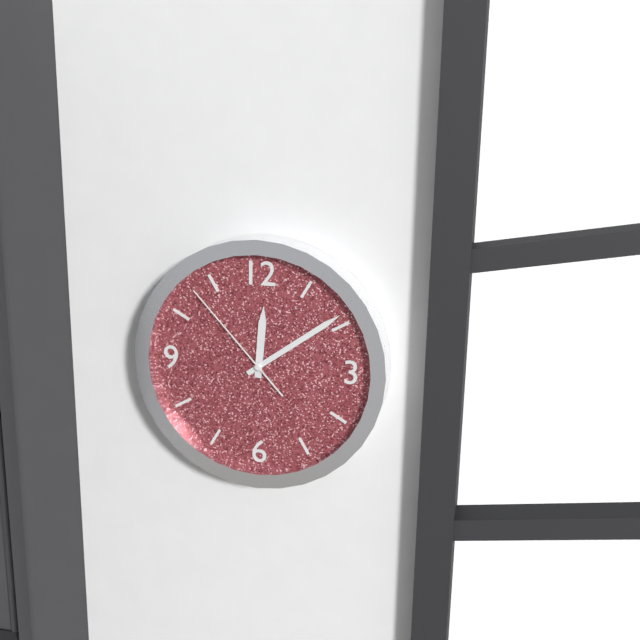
12,09,53
